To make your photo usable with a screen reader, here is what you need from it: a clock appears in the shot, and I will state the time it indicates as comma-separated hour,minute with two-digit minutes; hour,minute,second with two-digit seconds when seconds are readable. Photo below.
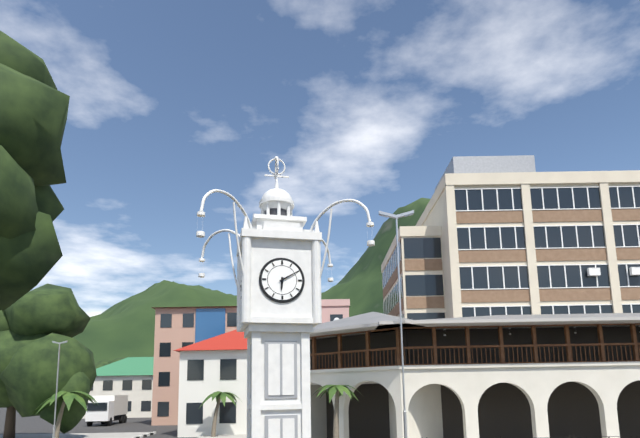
6,10
